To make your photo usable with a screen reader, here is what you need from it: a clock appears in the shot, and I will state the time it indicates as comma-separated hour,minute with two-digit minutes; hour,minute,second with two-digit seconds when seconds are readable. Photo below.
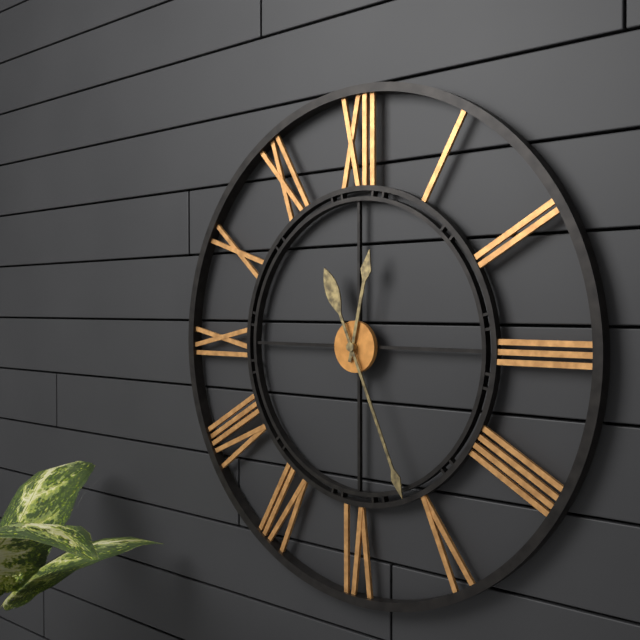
12,26
